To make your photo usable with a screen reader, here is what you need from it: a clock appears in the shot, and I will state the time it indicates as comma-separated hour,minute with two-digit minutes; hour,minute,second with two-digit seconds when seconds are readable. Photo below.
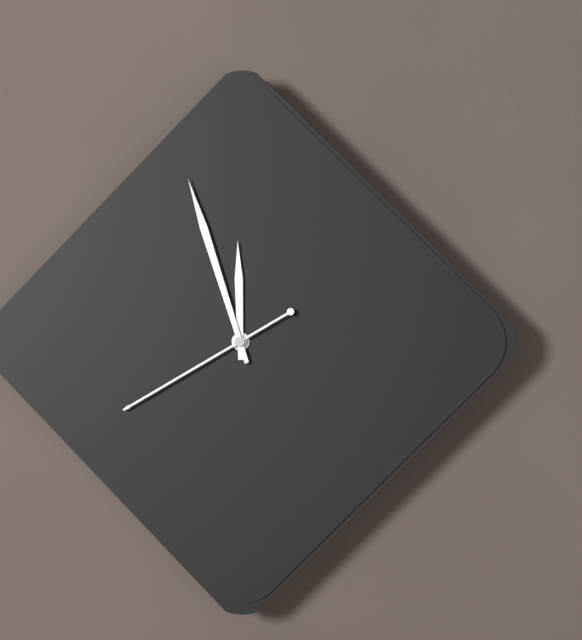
11,57,40
